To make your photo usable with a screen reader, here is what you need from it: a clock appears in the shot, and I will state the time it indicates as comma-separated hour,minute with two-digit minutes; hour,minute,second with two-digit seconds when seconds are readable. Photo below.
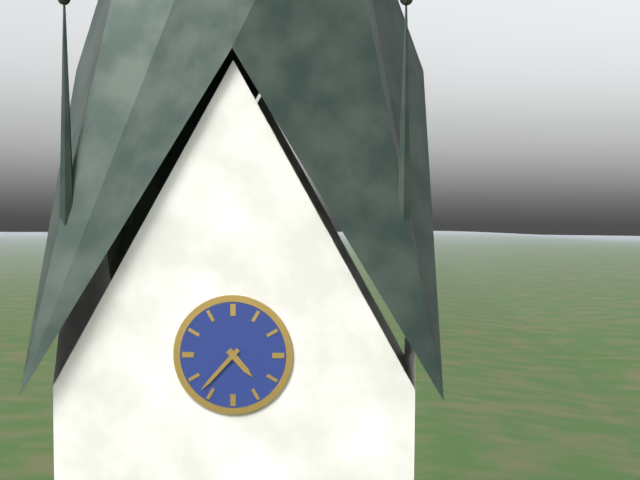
4,37
